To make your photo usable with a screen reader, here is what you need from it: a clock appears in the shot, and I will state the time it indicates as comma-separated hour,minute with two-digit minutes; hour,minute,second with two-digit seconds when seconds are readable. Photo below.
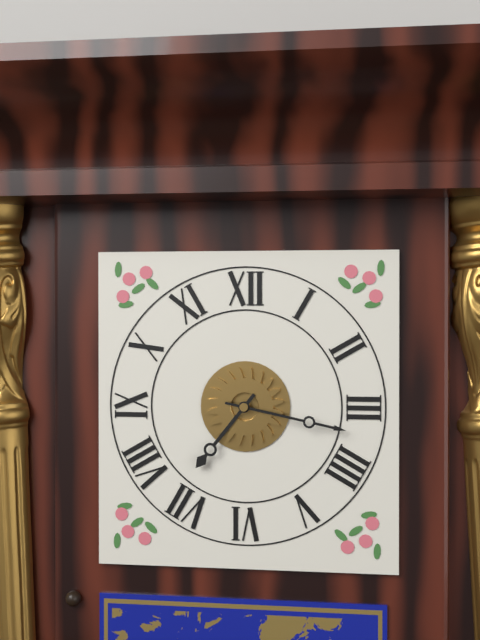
7,17
